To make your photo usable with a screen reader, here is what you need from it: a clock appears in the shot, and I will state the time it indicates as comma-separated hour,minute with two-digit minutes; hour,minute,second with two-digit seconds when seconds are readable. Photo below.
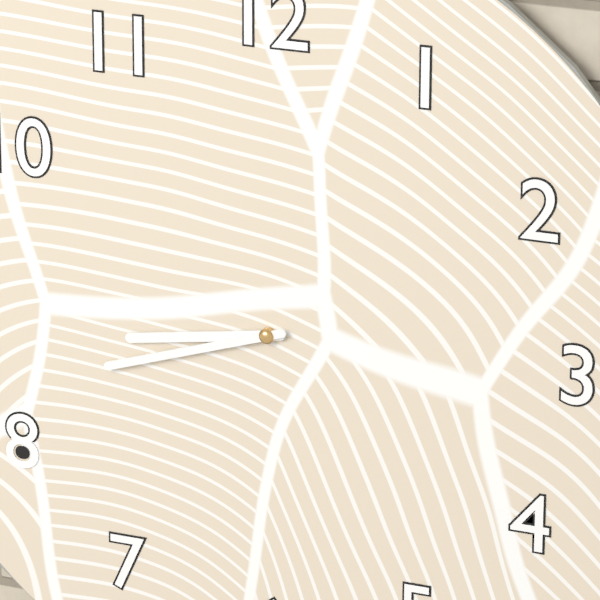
8,42
